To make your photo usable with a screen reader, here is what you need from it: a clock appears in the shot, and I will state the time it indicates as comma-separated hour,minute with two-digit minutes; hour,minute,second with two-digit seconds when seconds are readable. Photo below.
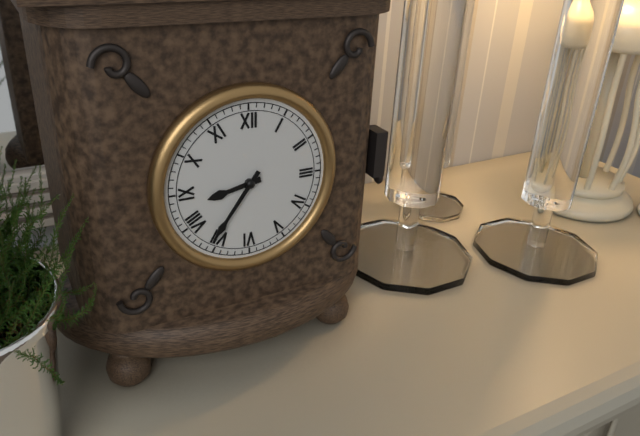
8,36
